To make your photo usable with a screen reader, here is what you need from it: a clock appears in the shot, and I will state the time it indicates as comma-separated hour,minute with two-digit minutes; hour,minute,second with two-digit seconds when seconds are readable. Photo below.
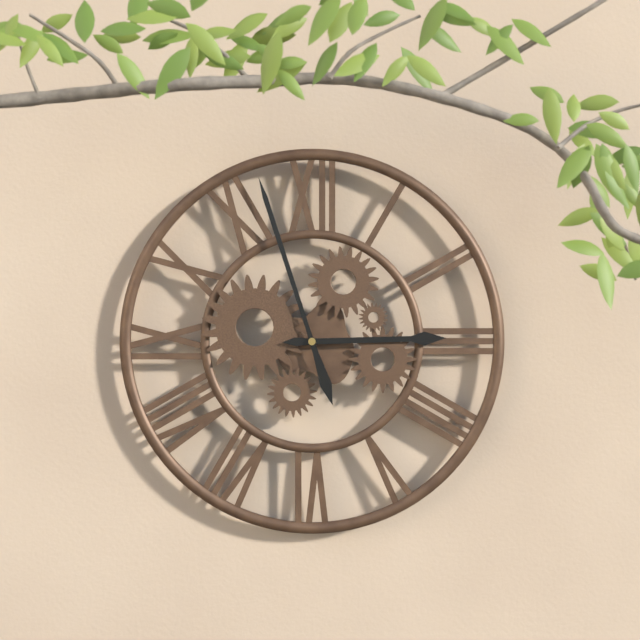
2,57
